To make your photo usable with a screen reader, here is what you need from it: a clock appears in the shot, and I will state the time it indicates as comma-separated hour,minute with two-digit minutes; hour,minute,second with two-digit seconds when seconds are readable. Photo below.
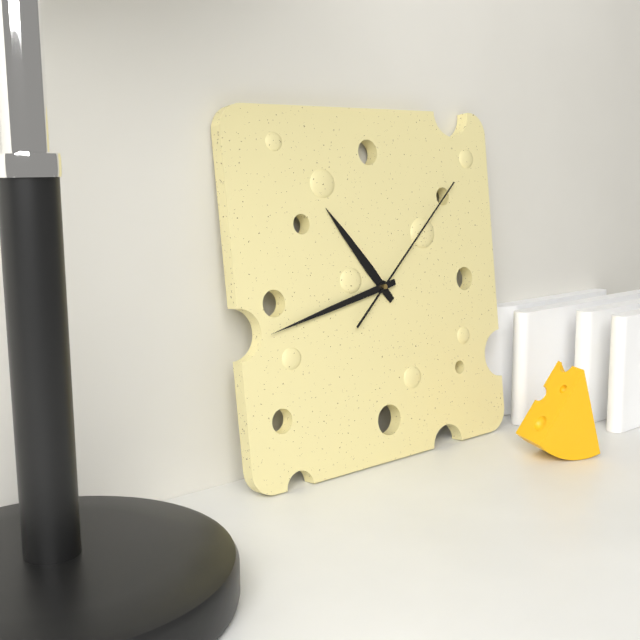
10,43,08
